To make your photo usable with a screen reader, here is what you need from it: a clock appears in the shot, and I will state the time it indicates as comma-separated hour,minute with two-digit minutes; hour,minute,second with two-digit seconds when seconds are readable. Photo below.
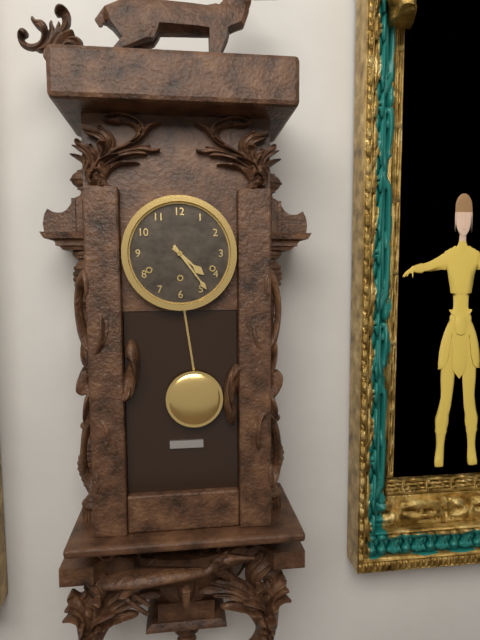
4,24
